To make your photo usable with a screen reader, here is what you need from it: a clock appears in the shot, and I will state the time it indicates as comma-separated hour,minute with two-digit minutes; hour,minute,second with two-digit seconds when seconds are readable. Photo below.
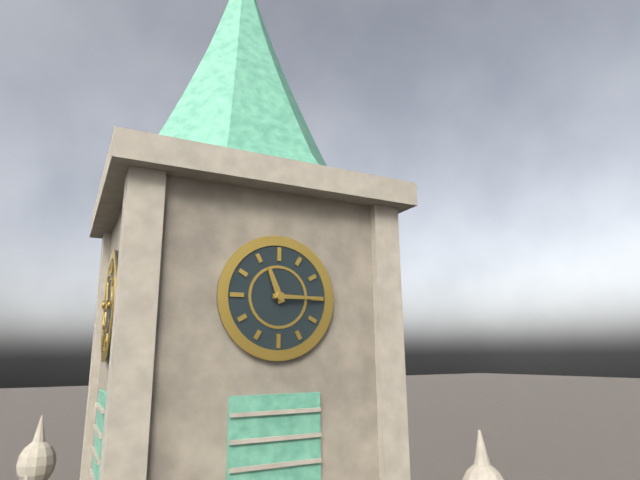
11,15
